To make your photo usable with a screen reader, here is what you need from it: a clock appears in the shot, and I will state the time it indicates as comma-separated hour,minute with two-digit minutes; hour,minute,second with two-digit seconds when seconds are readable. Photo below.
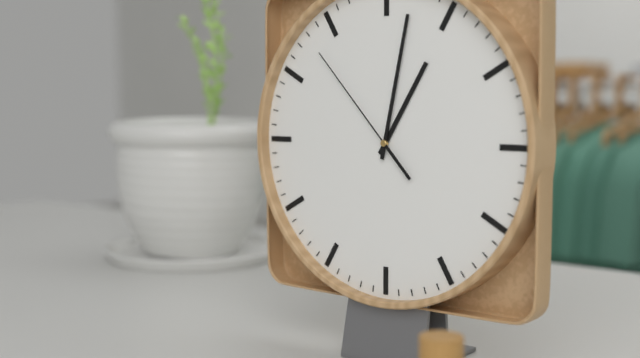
1,02,53
